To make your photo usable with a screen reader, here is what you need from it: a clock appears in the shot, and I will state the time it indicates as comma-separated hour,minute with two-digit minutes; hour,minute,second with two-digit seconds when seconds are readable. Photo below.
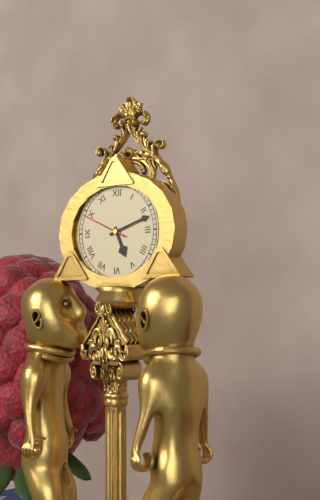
5,12
